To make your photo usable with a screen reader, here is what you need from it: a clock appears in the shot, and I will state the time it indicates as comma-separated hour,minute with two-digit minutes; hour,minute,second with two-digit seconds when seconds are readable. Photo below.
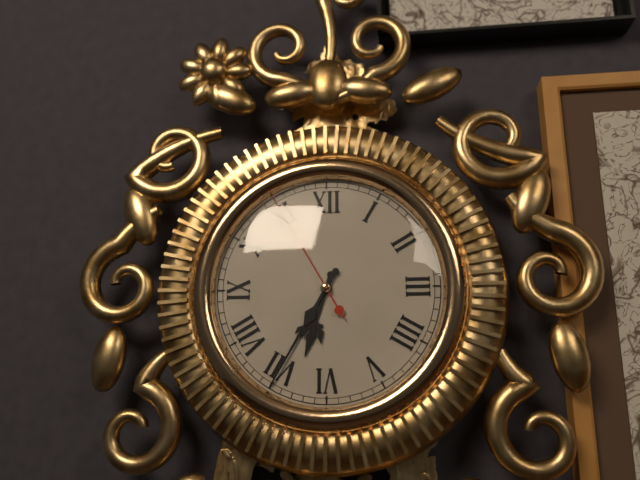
6,35,55
